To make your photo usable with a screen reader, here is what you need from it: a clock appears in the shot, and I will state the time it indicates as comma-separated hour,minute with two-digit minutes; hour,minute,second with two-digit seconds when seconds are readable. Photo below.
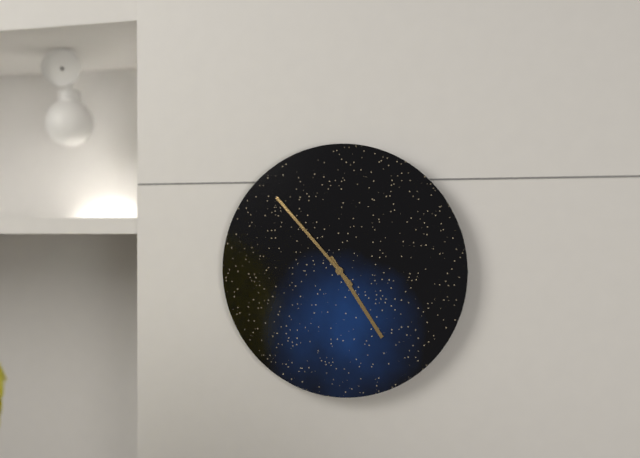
4,53
